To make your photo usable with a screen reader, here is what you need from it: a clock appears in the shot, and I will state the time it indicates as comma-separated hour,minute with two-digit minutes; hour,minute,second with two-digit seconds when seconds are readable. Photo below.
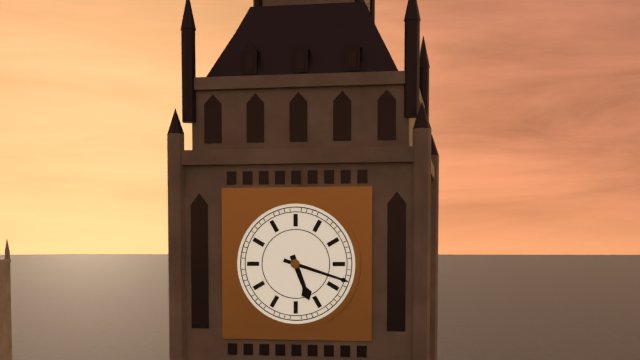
5,18
